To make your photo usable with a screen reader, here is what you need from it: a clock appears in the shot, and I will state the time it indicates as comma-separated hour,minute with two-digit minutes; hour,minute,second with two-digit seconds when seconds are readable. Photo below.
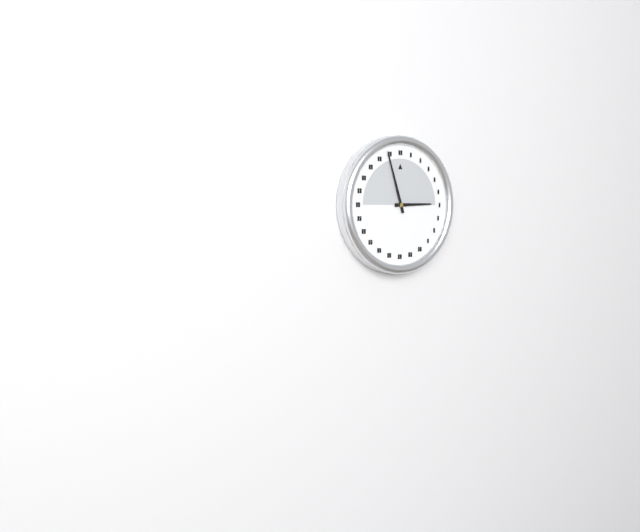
2,57
